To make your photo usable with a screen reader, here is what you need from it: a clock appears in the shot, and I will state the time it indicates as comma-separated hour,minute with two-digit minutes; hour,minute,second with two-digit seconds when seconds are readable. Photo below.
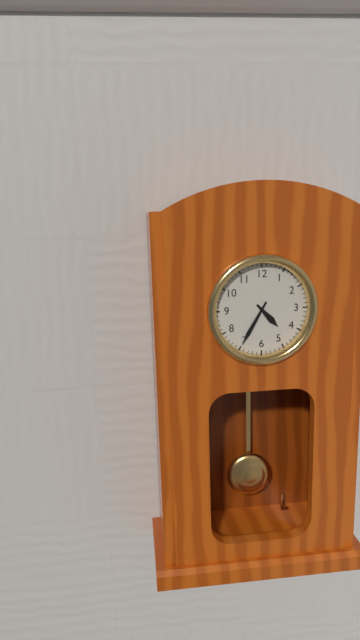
4,35
